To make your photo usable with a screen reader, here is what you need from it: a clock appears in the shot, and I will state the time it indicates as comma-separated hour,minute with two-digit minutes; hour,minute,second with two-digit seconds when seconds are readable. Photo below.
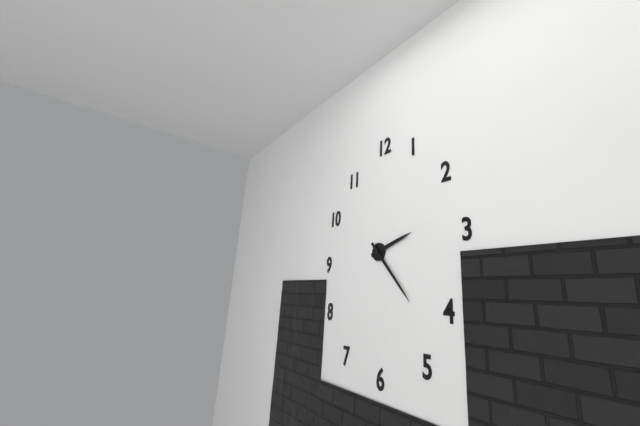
2,23
